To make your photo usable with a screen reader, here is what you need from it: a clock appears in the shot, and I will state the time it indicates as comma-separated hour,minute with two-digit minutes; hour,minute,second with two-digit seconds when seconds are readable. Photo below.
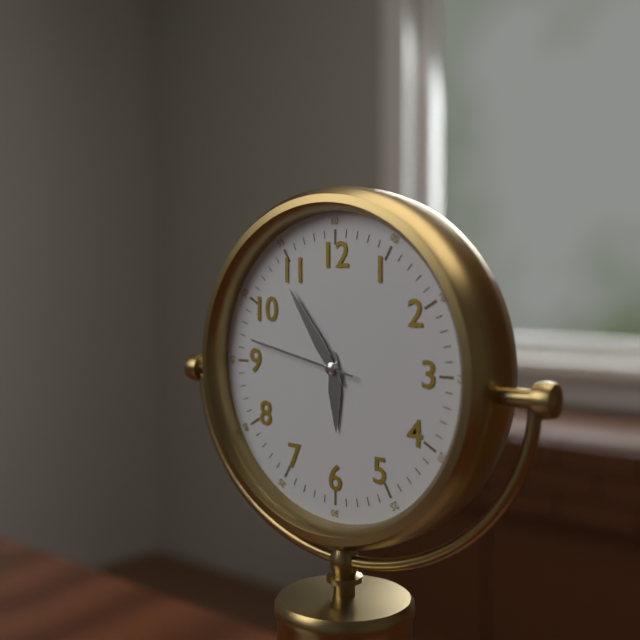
5,54,47
